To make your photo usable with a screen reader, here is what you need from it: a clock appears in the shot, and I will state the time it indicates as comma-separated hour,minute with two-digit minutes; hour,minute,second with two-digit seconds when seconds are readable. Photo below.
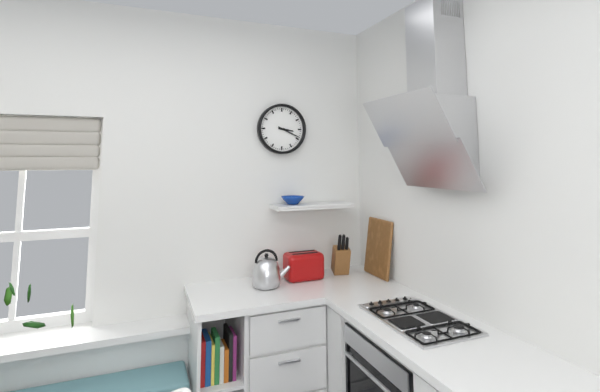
3,19
